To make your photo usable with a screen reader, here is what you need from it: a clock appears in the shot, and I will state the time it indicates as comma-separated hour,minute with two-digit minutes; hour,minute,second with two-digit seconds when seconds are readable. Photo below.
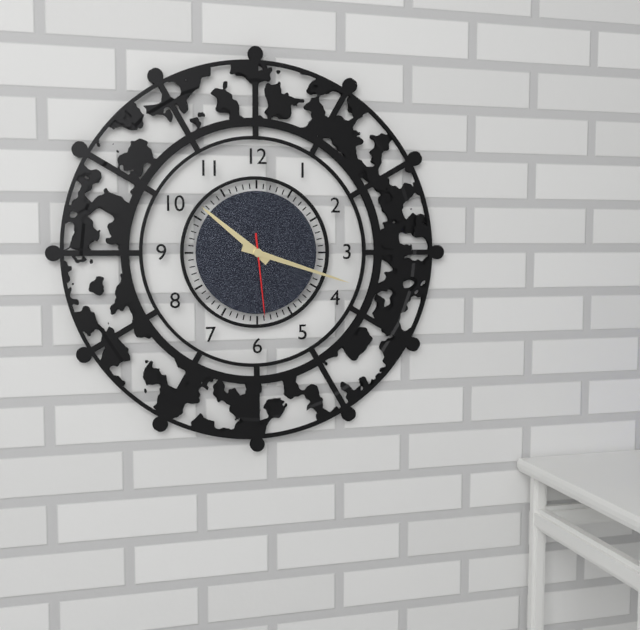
10,18,29
